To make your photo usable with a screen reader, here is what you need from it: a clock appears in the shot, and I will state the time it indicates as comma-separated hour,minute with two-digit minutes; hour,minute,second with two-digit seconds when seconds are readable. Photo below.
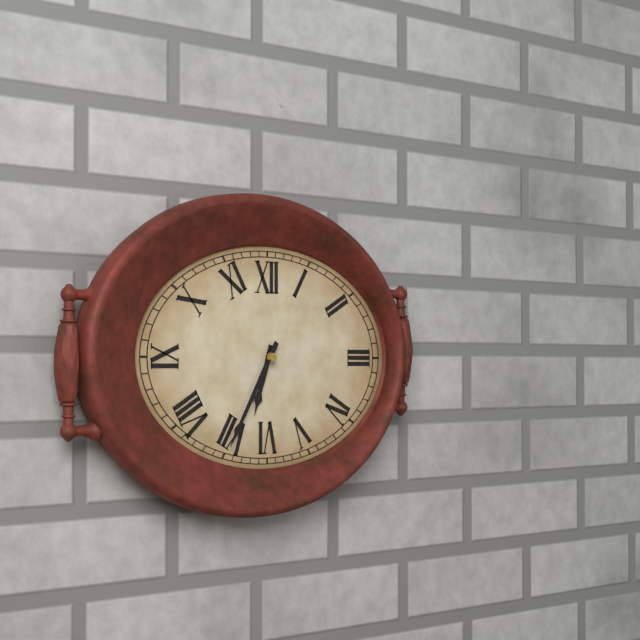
6,35
